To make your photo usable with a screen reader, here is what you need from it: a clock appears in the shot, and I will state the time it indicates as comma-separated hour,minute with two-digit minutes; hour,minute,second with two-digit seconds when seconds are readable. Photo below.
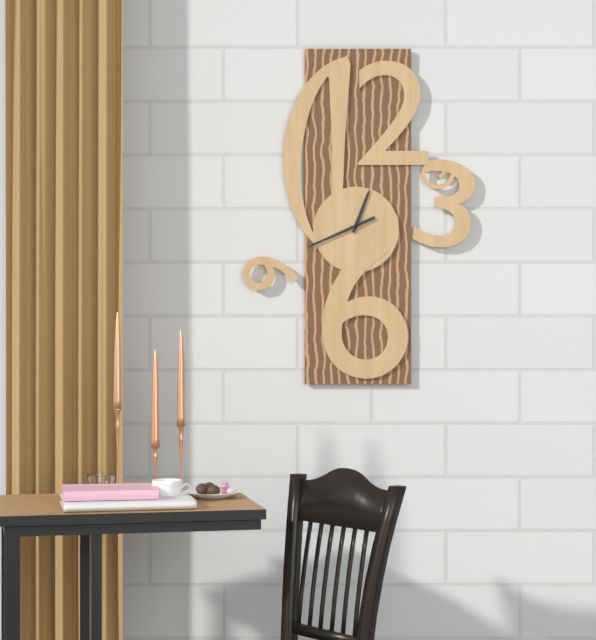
12,41
